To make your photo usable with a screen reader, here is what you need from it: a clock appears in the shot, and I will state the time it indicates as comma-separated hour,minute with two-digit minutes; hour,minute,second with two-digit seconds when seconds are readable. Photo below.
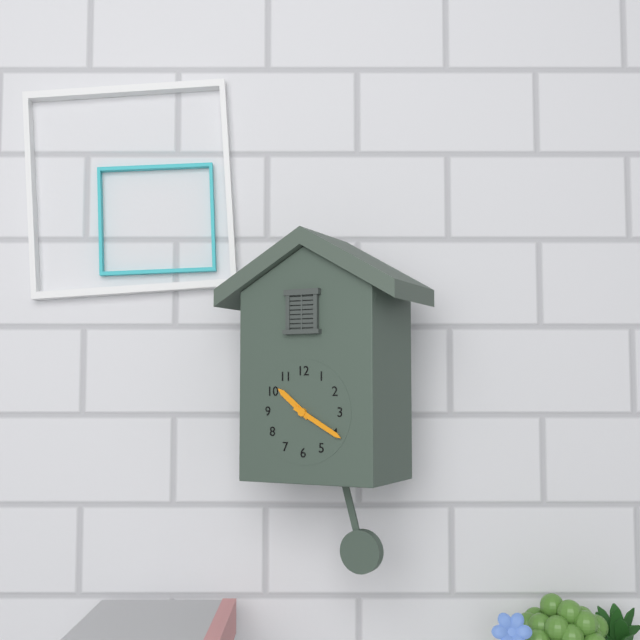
10,20
